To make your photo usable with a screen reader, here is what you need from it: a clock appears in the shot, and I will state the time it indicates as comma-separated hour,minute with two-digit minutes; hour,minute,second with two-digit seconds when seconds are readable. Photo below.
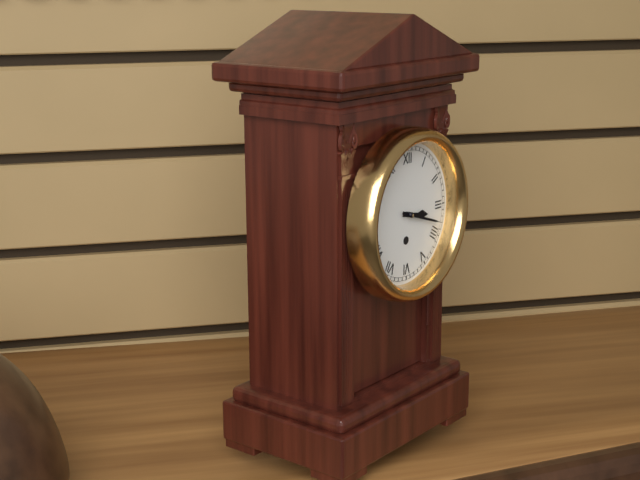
3,18
